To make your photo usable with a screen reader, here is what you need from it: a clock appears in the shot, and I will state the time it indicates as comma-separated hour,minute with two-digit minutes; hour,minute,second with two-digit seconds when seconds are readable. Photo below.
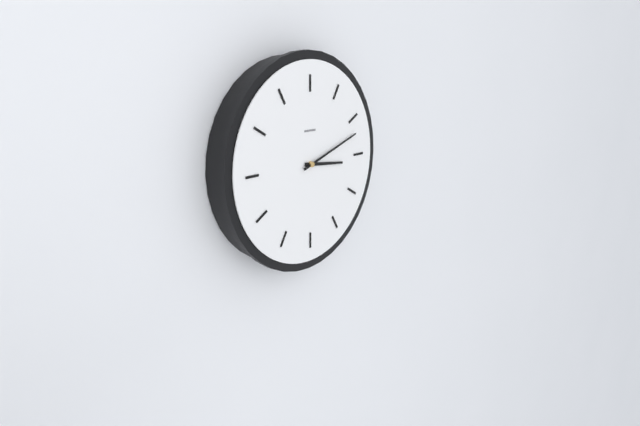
3,12
